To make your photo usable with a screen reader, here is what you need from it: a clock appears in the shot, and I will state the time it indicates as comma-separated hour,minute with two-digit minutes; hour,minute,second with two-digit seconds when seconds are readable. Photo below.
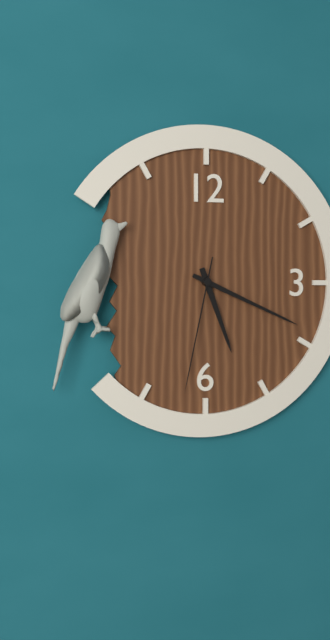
5,19,32
